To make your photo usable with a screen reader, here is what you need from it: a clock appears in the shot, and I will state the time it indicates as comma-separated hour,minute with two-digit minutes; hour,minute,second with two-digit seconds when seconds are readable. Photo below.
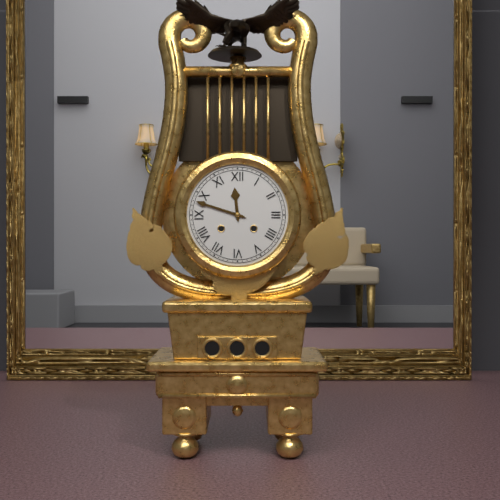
11,48
